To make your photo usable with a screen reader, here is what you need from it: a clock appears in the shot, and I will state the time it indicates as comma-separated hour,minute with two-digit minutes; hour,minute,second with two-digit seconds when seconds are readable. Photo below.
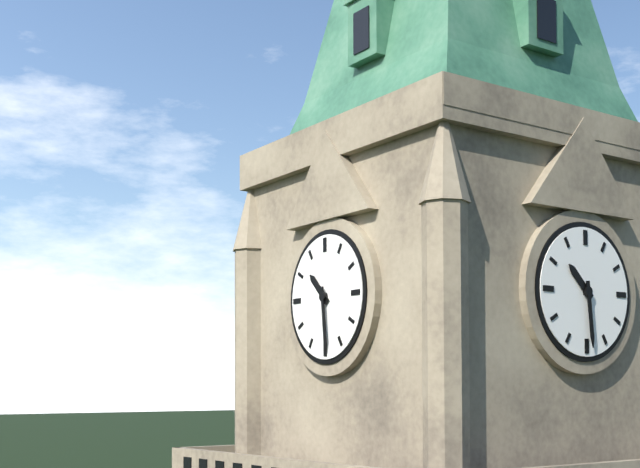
10,29
